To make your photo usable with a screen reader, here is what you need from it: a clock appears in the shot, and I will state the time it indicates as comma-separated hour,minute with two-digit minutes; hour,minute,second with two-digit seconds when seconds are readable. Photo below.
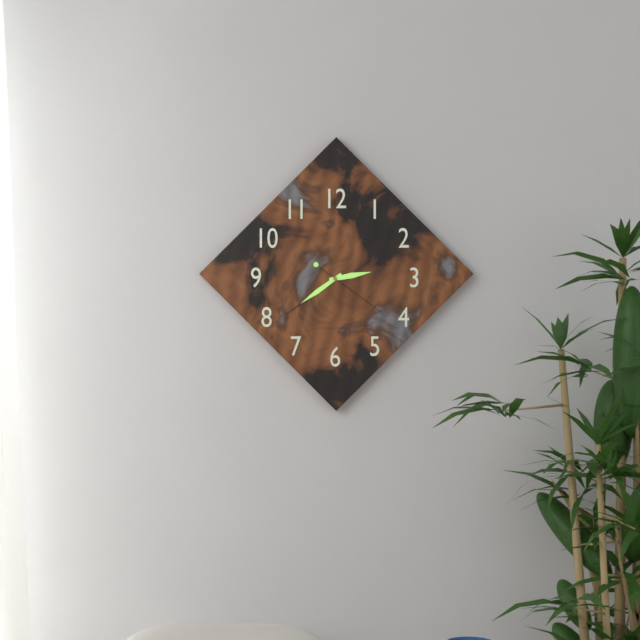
2,39,21
